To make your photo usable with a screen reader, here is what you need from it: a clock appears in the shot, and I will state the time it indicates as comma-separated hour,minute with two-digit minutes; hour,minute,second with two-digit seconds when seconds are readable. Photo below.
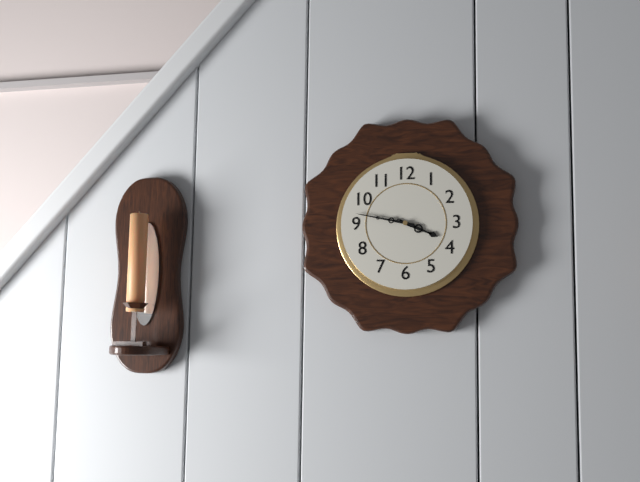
3,47
